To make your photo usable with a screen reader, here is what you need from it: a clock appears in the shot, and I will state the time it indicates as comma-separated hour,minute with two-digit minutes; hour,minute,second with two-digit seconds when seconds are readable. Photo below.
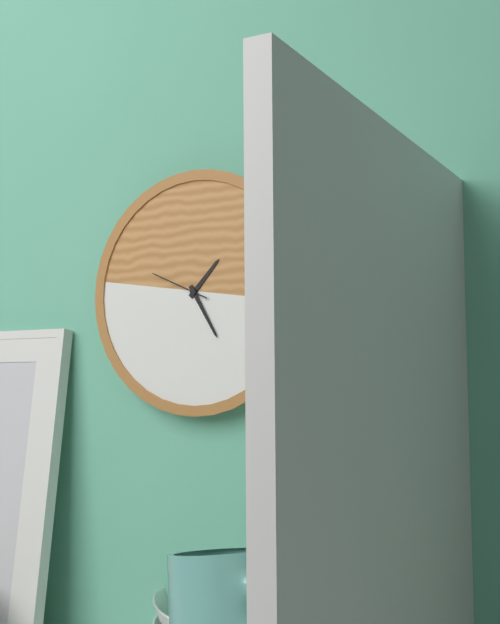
1,25,49
